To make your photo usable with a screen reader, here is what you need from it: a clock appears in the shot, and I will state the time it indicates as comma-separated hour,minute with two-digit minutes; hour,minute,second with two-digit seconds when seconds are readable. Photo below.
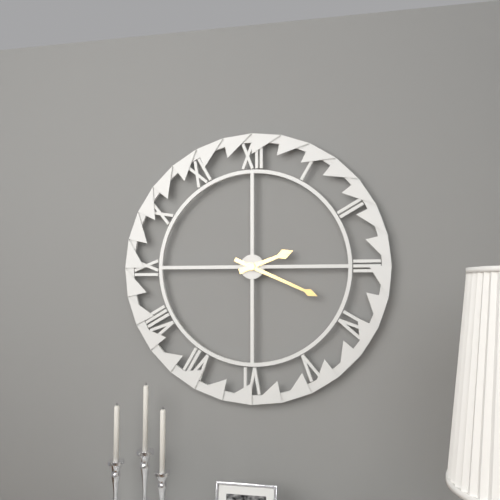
2,19
